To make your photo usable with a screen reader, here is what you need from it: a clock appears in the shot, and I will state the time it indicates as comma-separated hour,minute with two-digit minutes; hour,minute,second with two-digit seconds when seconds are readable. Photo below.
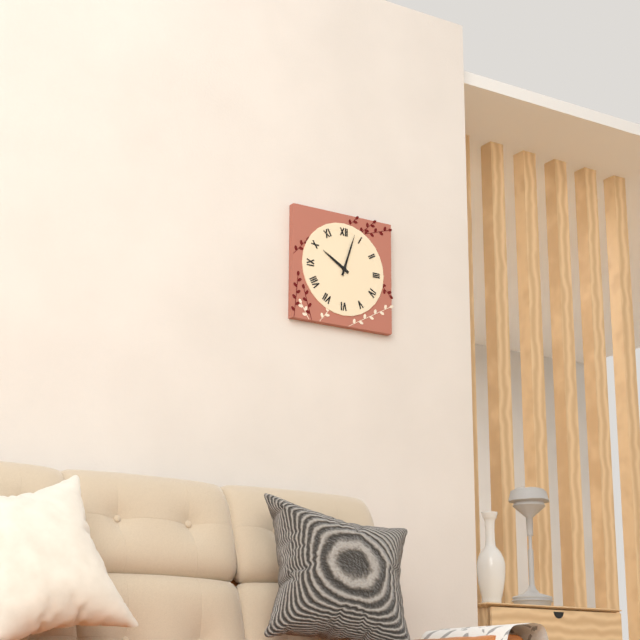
10,03
